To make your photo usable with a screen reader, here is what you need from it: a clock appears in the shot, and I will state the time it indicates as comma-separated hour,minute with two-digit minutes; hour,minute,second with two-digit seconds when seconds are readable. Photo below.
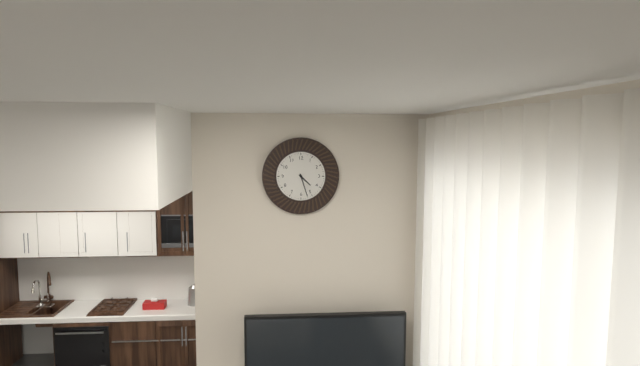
4,27
